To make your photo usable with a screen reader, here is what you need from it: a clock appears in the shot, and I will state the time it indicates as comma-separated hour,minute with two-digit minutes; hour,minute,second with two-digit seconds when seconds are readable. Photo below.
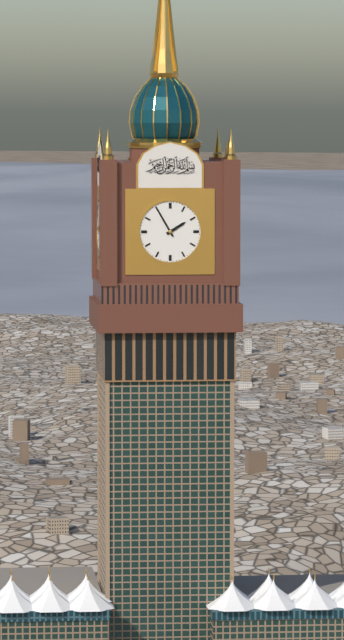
1,55
